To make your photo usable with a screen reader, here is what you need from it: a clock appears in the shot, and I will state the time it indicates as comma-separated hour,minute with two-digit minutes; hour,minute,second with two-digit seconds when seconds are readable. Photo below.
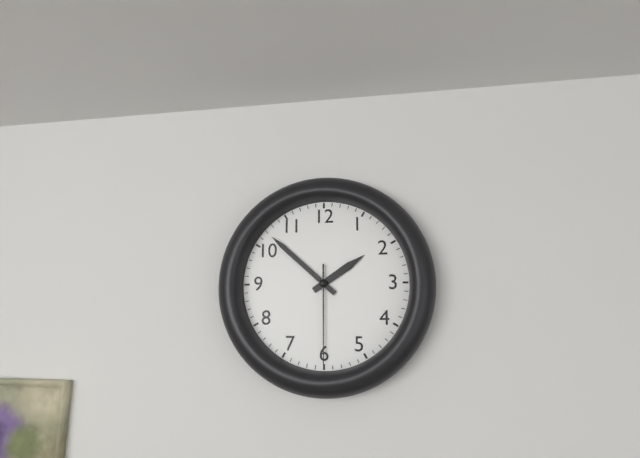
1,52,30
